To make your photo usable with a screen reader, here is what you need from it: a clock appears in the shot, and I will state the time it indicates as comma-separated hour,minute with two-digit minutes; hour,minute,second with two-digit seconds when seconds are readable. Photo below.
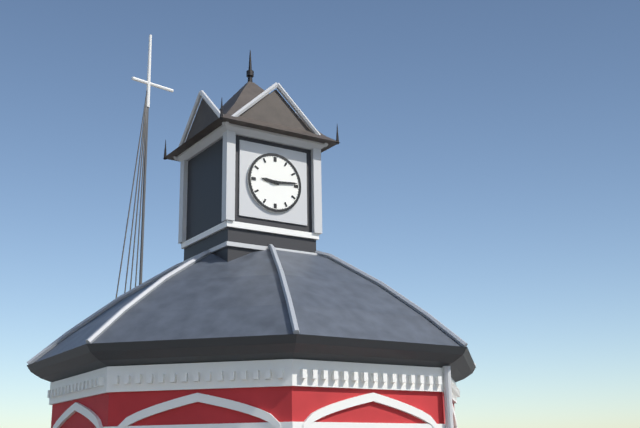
9,14
